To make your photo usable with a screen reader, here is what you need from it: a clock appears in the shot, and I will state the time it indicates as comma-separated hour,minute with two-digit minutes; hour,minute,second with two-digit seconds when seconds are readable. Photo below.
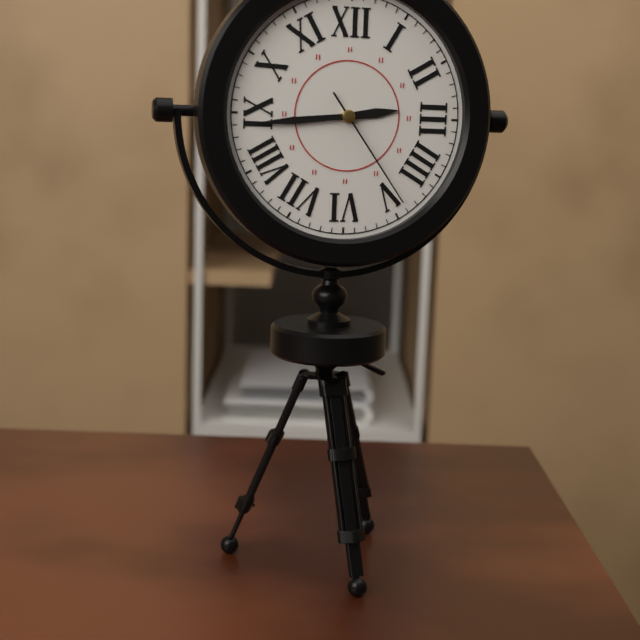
2,44,24
